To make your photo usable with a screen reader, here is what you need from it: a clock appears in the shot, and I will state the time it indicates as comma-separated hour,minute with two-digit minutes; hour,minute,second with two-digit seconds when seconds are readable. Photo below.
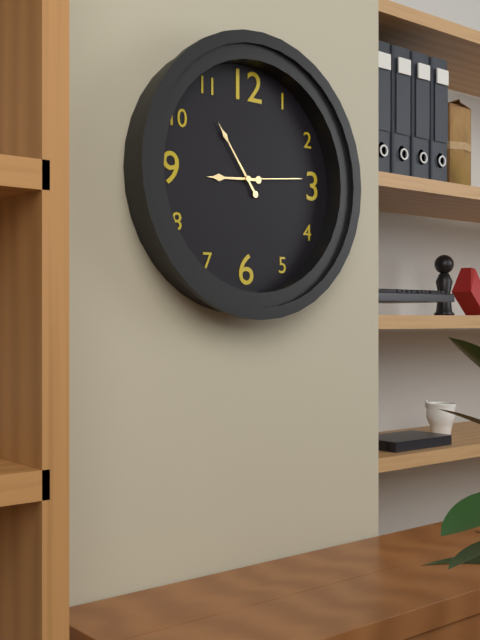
8,54,14
